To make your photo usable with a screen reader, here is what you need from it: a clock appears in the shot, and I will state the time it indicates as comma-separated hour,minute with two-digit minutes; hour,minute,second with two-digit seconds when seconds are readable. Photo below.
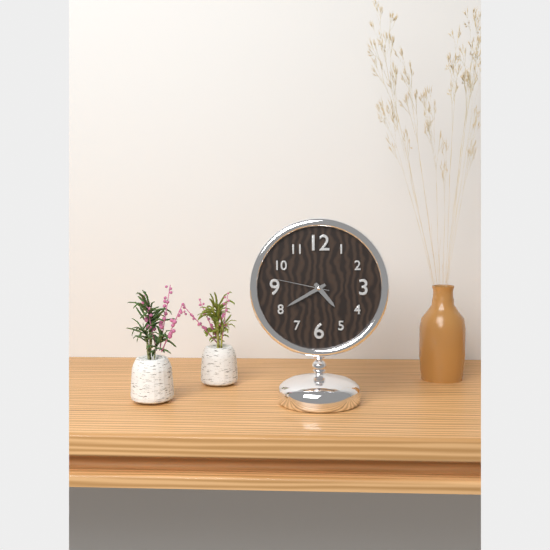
4,40,47
